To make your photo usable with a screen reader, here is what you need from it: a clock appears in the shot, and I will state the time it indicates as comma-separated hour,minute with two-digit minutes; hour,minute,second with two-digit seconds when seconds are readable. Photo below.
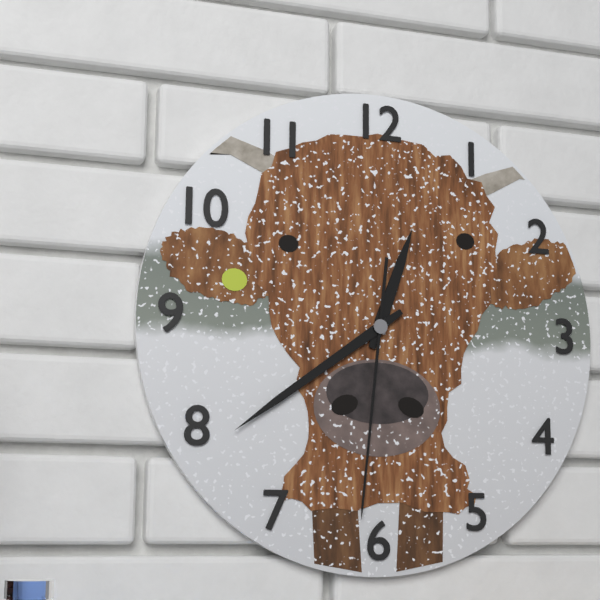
12,39,31
